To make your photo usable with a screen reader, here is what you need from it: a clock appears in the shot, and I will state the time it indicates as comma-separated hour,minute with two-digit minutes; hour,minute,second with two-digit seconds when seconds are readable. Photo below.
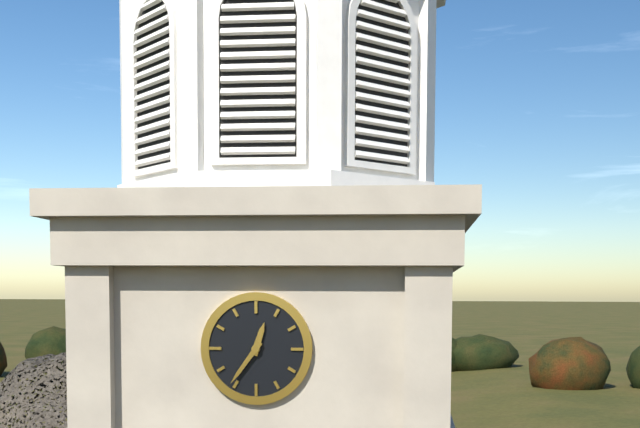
12,36
